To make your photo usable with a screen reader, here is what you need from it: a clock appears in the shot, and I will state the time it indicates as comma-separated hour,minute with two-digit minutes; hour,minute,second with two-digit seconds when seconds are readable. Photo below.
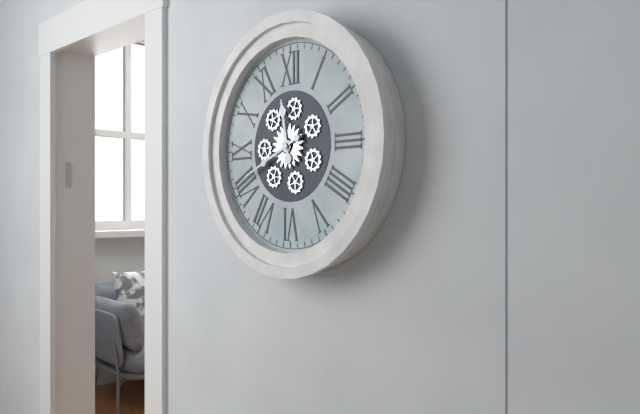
11,41
